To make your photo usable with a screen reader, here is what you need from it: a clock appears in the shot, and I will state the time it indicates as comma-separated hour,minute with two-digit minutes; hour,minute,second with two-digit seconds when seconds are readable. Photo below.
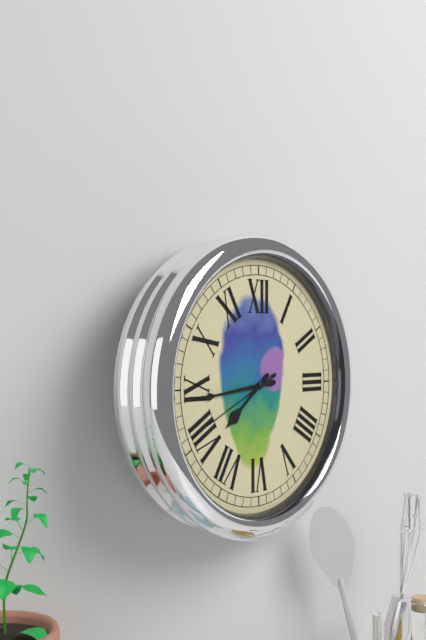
7,44,41
